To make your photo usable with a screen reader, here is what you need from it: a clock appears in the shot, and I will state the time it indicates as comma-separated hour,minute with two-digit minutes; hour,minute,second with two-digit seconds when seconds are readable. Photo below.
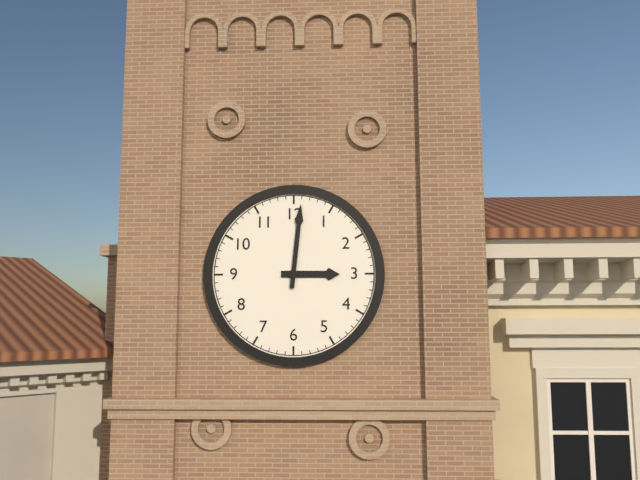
3,01
